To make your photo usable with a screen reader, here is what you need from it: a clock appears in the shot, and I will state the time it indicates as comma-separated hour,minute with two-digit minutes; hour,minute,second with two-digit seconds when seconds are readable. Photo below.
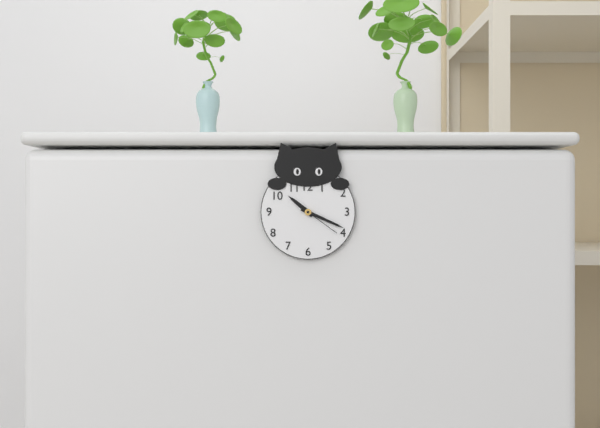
10,19
